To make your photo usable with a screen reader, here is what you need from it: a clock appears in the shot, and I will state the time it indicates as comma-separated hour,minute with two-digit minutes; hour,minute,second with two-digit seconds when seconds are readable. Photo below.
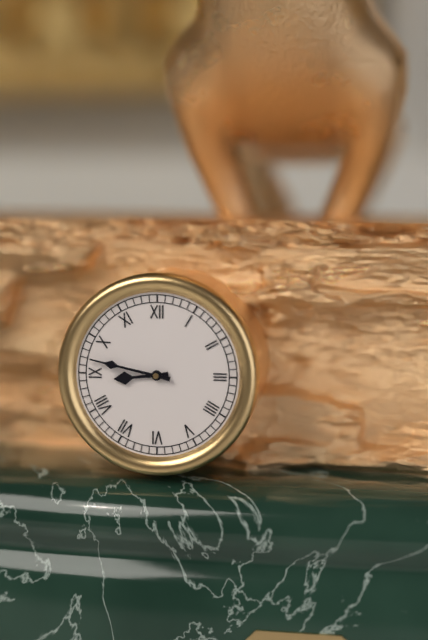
8,47
